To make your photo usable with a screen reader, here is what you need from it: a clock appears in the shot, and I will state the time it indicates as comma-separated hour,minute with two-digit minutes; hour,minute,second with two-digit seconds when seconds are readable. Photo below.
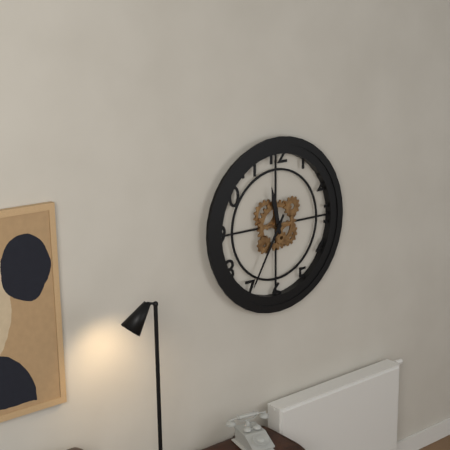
11,35
